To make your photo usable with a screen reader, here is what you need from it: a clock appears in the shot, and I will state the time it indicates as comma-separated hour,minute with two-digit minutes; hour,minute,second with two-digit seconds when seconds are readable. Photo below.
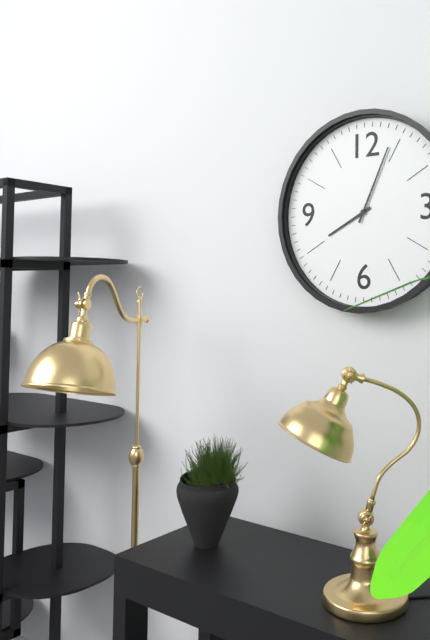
8,04
